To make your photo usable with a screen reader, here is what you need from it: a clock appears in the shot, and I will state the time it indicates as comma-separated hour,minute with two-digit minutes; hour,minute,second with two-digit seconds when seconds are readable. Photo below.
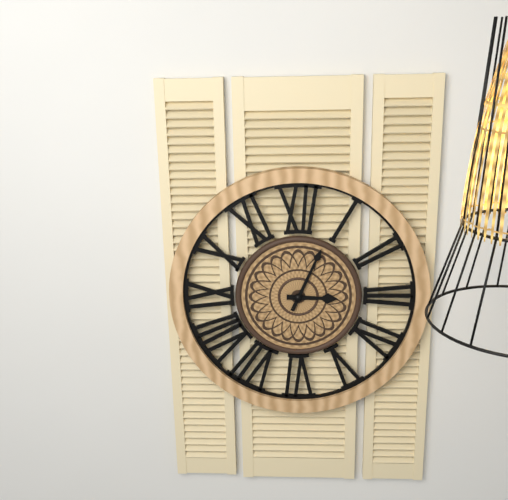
3,04
